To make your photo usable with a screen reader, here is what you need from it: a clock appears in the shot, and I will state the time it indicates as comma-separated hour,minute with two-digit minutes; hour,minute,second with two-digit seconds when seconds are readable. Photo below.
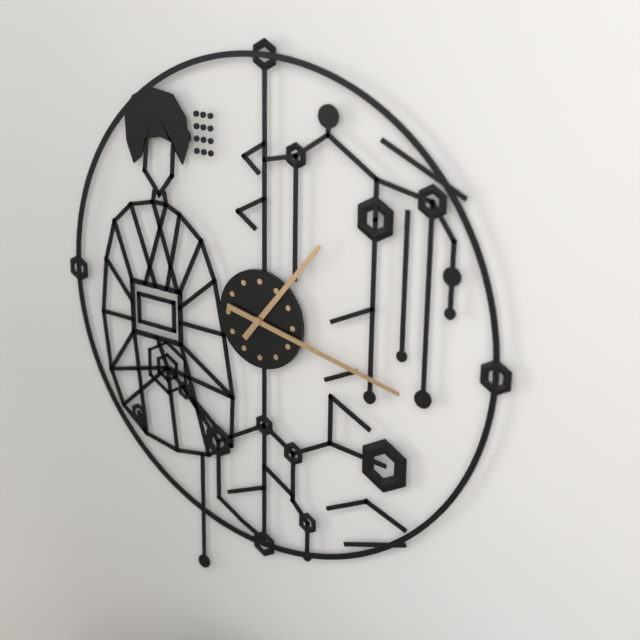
1,17
